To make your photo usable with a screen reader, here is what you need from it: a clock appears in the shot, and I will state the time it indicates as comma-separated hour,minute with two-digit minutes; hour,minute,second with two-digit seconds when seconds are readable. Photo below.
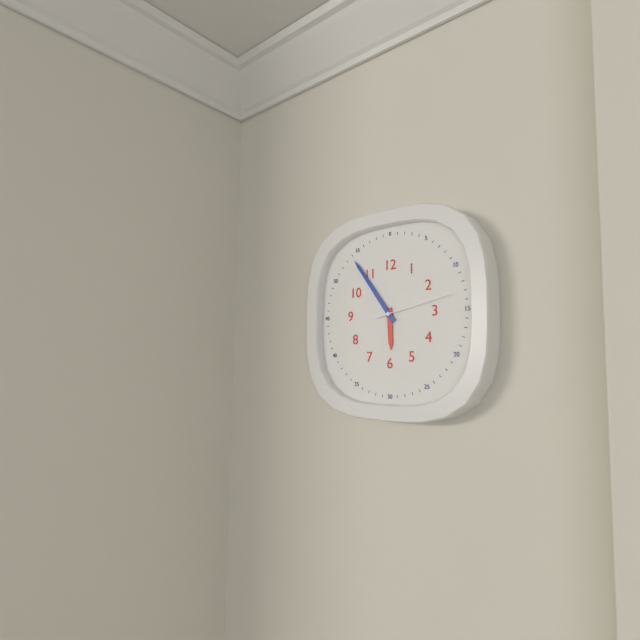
5,54,13
